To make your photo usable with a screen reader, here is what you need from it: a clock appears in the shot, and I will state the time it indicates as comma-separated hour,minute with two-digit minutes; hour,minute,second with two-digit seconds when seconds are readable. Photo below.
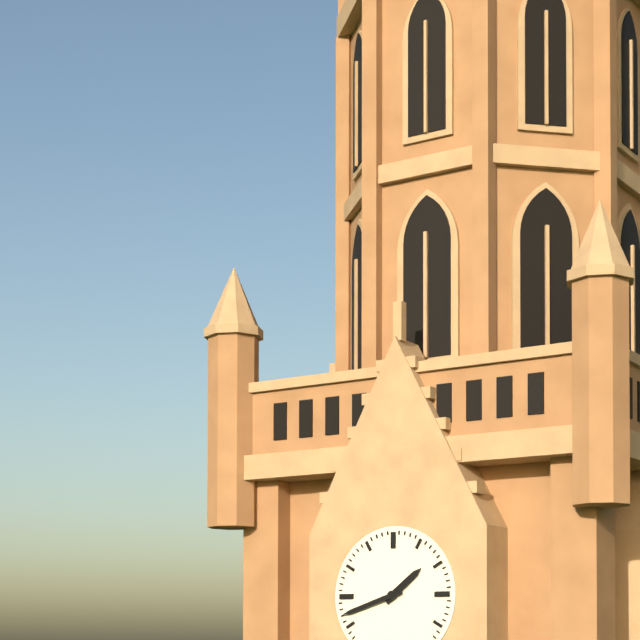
1,42
